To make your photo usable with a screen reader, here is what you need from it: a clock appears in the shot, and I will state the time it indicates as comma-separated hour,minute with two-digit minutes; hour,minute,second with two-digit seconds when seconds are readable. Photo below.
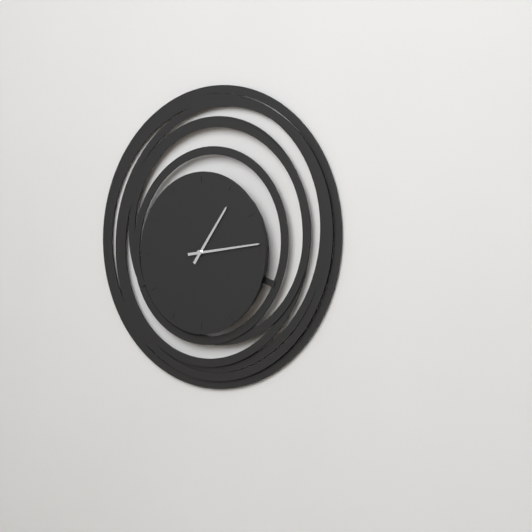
1,14
